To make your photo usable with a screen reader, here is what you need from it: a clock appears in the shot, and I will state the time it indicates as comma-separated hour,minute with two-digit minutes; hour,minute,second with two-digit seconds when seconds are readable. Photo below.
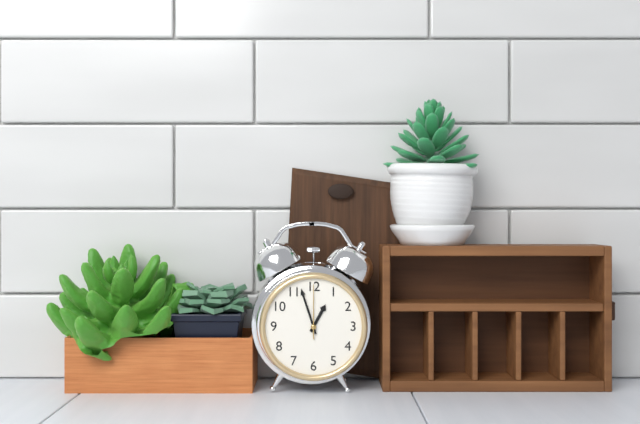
12,57,00
